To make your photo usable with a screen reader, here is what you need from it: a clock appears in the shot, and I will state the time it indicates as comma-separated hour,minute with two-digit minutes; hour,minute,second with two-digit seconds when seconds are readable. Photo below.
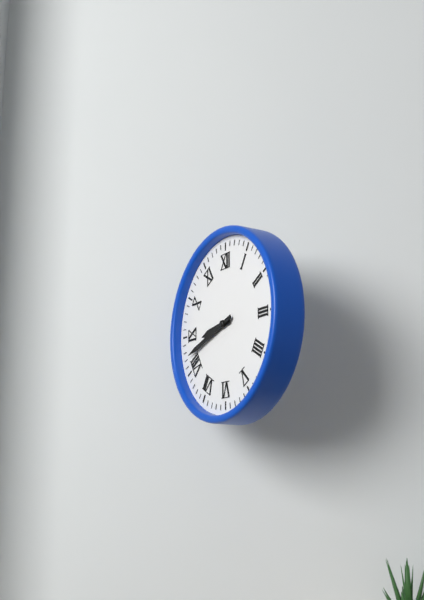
8,42
